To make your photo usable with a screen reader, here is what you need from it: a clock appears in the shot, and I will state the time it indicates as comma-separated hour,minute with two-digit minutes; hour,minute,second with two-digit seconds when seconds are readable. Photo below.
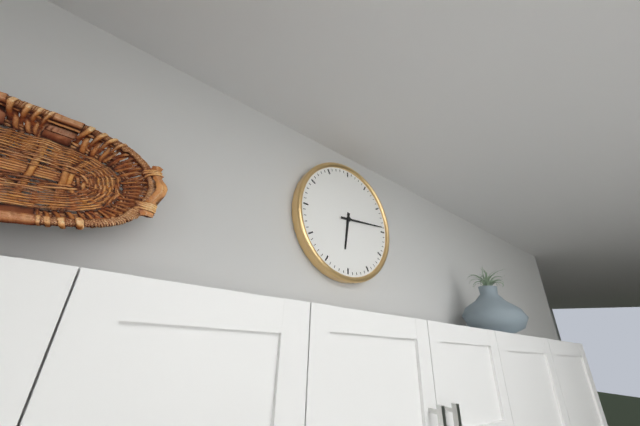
6,14
